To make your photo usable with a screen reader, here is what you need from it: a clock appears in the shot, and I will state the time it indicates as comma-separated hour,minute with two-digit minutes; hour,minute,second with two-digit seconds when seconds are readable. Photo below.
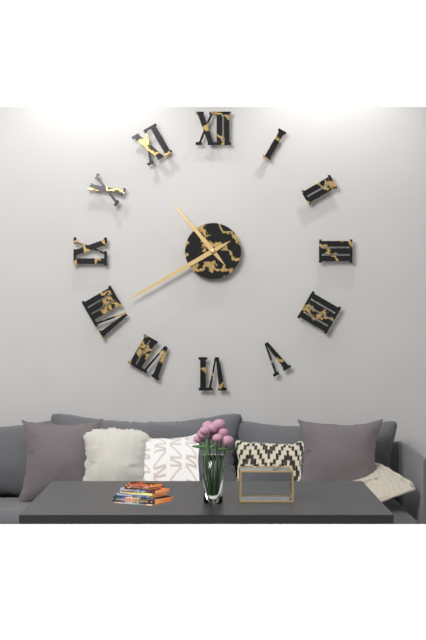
10,40
